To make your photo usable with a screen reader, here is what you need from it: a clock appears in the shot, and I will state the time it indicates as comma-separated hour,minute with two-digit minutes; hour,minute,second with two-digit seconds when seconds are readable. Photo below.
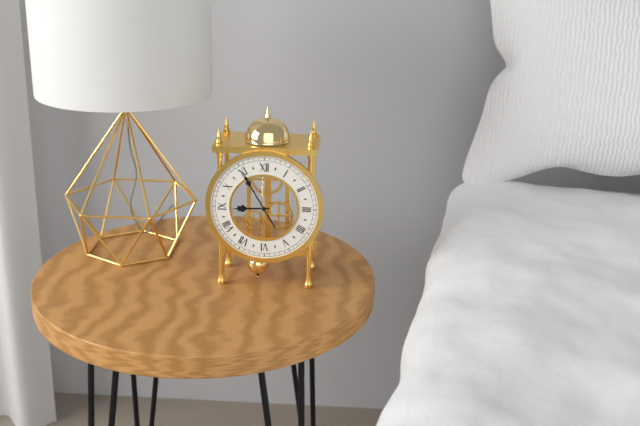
8,55
